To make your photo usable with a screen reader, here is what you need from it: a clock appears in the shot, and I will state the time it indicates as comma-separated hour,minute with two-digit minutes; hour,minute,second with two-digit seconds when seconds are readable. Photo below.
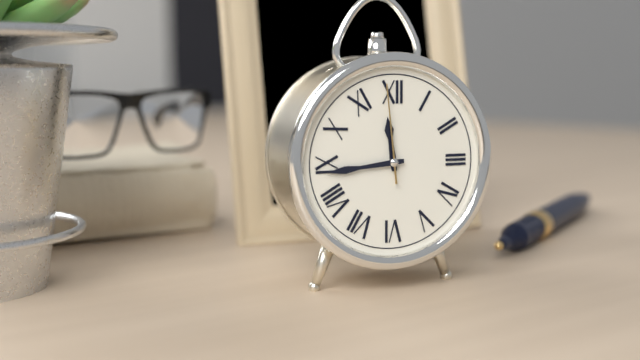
11,44,59
